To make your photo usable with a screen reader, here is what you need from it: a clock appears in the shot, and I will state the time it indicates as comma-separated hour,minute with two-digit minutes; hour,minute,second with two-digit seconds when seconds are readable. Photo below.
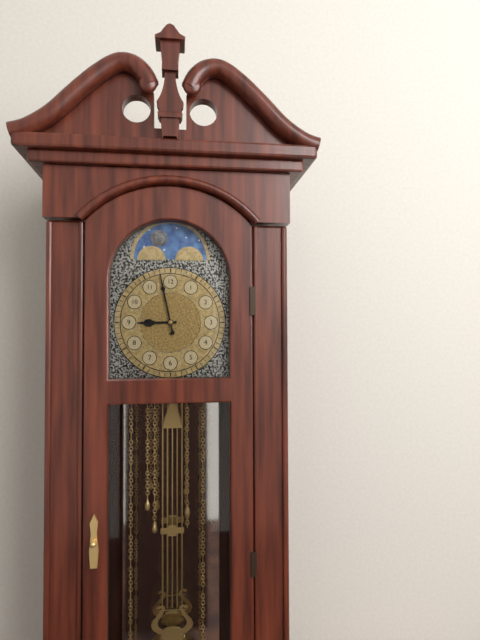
8,58
